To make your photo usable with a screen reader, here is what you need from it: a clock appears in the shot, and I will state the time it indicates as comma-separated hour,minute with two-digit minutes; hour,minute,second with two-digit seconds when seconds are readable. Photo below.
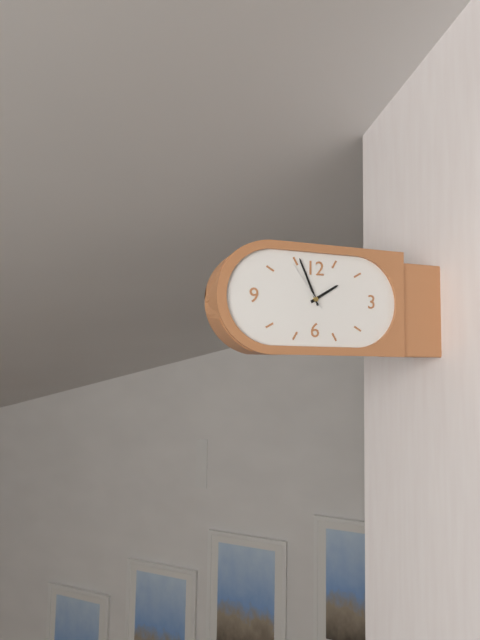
1,56
